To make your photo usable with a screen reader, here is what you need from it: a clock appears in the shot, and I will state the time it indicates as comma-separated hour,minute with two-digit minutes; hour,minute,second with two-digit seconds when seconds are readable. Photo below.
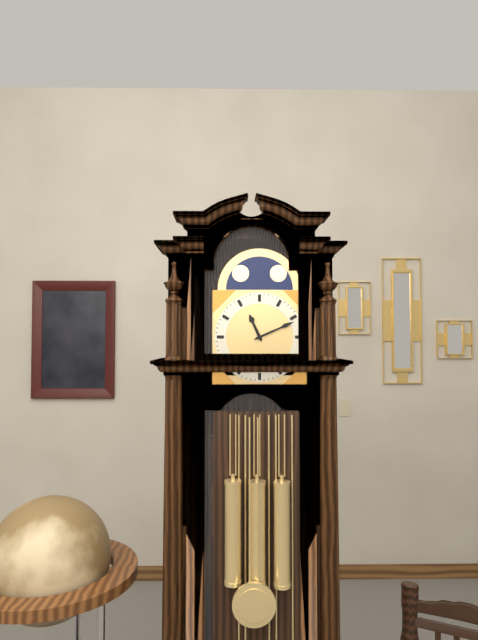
11,11
